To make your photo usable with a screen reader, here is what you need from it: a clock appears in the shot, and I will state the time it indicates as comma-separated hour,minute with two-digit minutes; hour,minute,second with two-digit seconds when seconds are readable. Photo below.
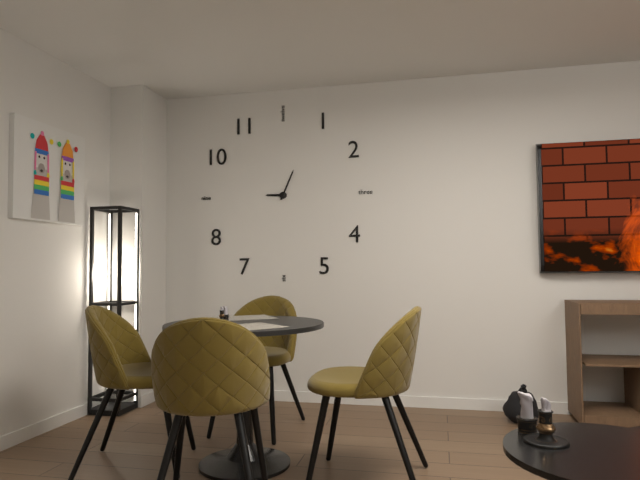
9,04
